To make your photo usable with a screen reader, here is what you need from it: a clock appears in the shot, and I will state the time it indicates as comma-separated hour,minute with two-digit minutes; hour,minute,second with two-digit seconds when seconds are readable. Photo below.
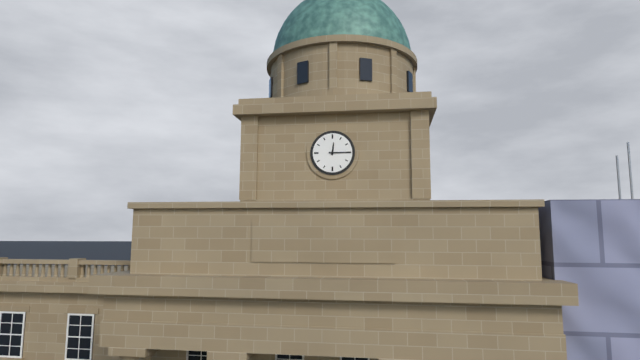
12,15
